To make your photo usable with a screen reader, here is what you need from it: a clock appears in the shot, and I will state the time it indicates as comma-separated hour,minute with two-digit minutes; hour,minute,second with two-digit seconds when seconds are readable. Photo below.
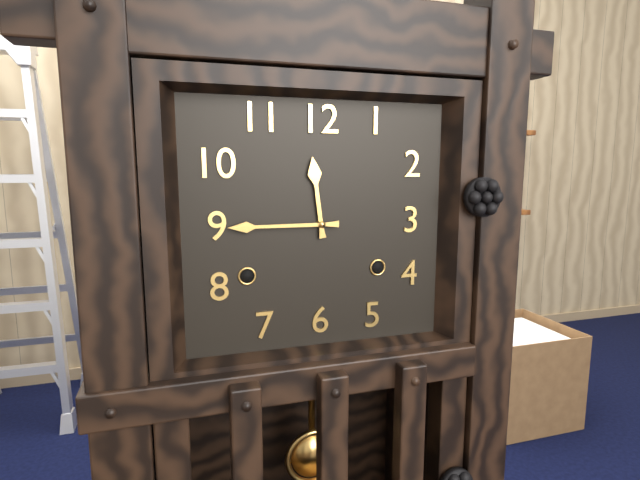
11,45
